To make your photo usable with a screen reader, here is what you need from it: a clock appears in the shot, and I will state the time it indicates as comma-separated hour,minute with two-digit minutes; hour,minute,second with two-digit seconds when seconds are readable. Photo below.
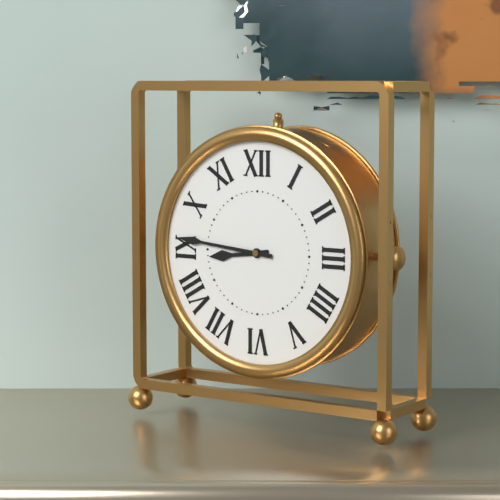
8,46
